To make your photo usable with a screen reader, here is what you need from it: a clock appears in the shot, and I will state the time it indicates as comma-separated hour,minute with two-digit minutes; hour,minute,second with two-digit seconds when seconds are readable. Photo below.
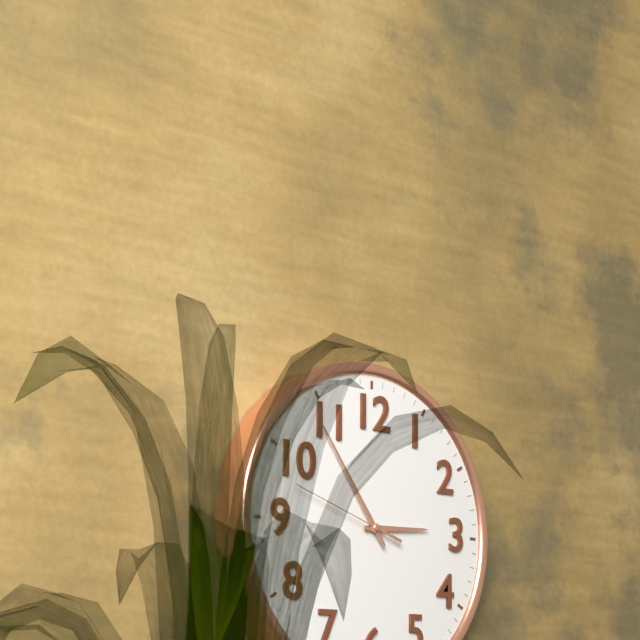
2,54
